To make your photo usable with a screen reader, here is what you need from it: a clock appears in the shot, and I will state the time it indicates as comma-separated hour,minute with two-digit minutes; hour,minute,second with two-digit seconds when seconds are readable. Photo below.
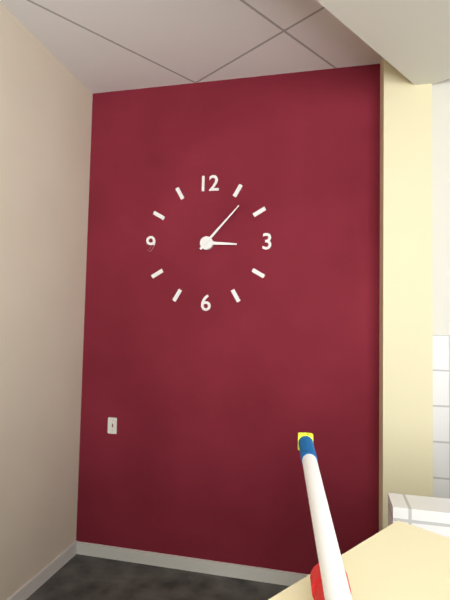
3,07
